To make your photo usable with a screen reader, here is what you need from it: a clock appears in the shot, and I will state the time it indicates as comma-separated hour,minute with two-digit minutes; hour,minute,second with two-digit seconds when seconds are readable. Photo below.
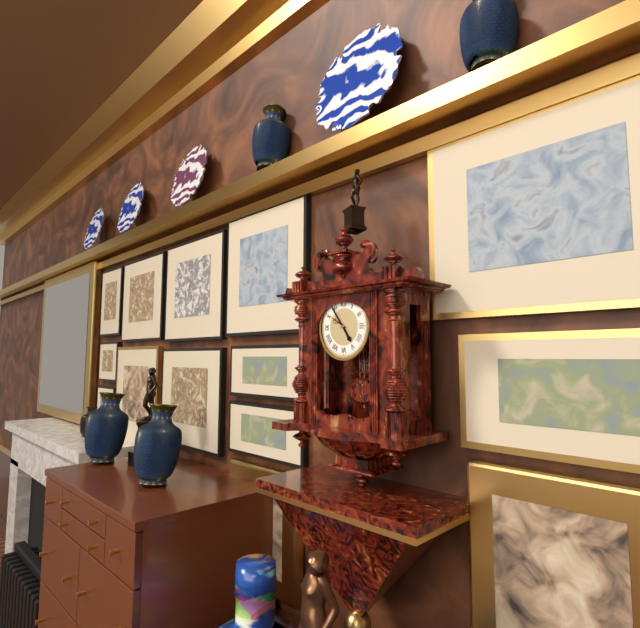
4,54
